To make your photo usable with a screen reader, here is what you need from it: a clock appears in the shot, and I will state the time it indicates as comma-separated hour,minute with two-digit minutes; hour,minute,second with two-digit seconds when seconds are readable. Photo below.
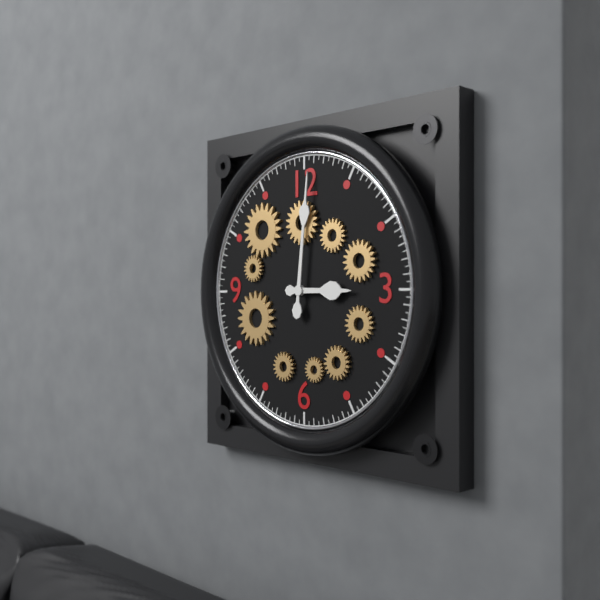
3,01
